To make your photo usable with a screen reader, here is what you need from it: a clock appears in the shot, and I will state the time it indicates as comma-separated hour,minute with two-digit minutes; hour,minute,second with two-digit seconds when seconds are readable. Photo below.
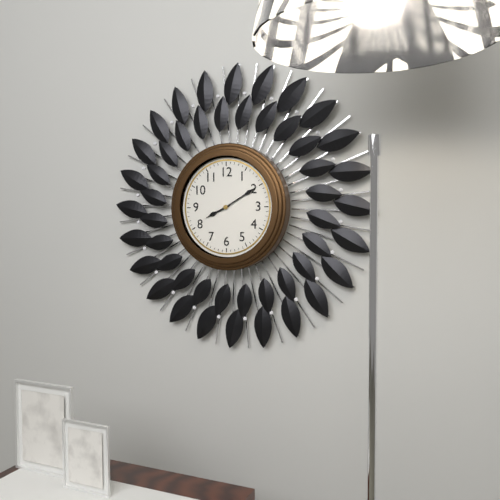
8,10
